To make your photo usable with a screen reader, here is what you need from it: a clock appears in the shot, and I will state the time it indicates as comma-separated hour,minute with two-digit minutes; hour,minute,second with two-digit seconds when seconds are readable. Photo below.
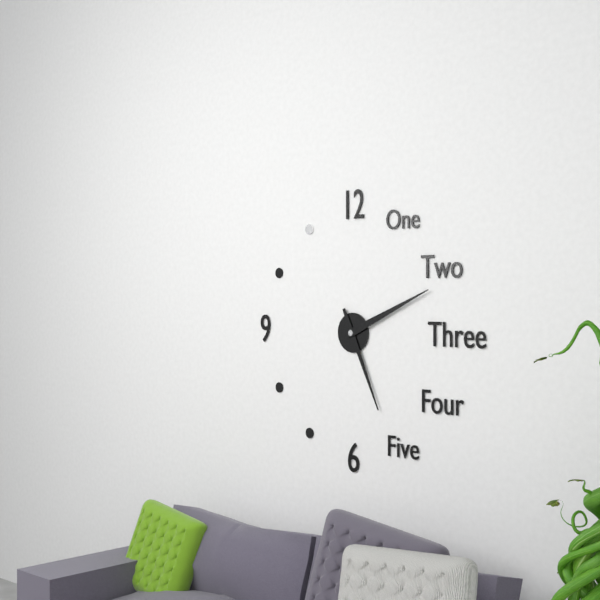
5,11
